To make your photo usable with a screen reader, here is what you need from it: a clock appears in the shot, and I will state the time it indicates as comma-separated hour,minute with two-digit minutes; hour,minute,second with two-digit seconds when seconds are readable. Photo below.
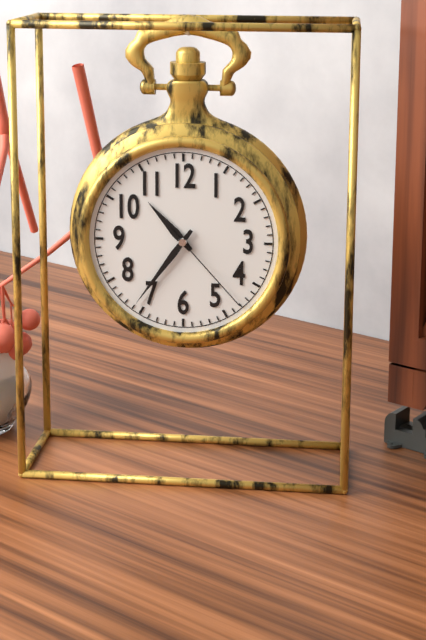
10,36,23
